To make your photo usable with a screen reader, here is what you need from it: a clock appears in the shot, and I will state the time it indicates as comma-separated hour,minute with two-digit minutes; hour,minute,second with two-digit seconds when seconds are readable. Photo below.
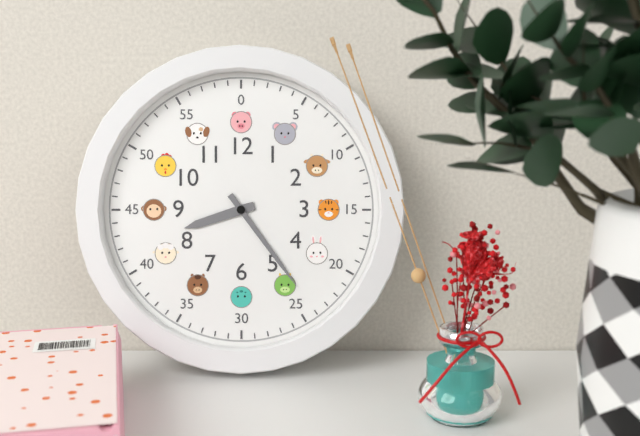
8,24
